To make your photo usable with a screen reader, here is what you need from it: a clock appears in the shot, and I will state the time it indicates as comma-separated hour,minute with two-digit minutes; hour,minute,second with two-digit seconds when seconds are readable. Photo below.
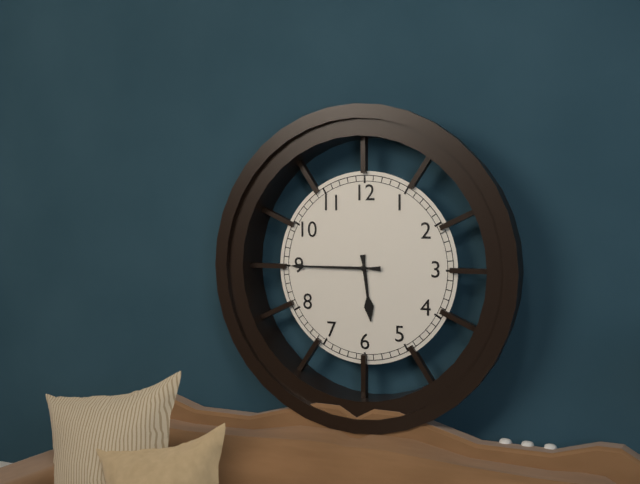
5,45
